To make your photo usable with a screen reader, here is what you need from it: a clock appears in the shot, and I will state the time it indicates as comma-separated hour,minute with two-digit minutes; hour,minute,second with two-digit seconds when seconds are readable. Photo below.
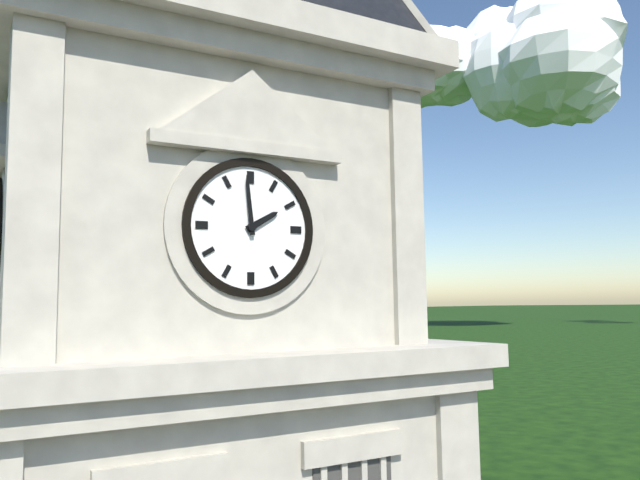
1,59
